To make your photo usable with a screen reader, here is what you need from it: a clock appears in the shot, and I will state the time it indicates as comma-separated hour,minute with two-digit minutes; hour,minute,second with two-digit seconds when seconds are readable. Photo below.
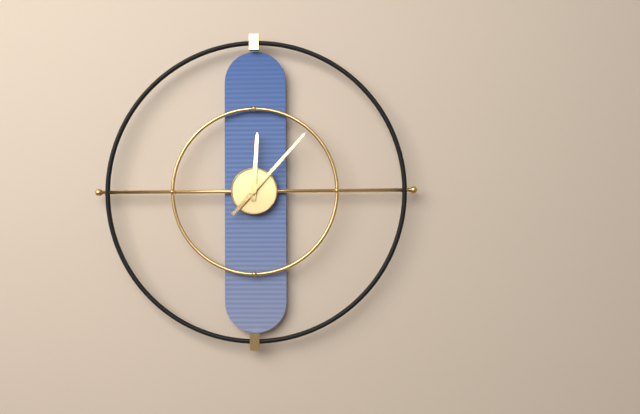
12,07
